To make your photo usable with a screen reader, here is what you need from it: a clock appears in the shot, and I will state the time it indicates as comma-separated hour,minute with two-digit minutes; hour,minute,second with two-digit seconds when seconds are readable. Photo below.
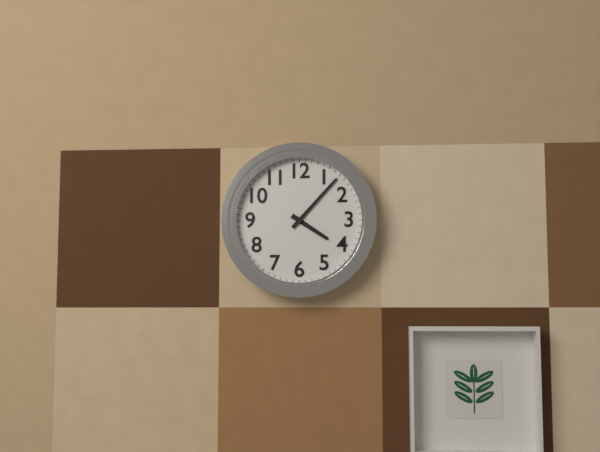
4,07
